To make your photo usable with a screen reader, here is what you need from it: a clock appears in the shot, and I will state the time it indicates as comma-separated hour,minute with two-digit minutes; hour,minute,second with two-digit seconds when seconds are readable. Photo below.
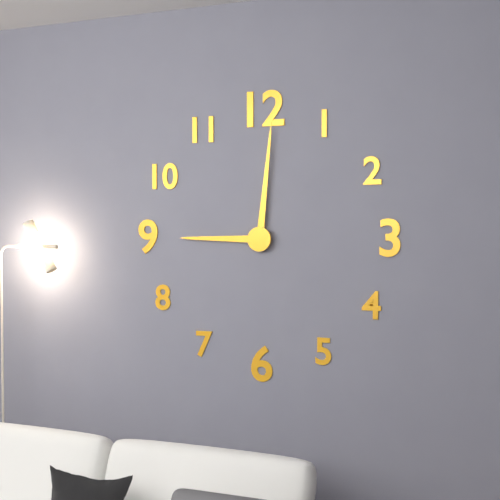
9,01
